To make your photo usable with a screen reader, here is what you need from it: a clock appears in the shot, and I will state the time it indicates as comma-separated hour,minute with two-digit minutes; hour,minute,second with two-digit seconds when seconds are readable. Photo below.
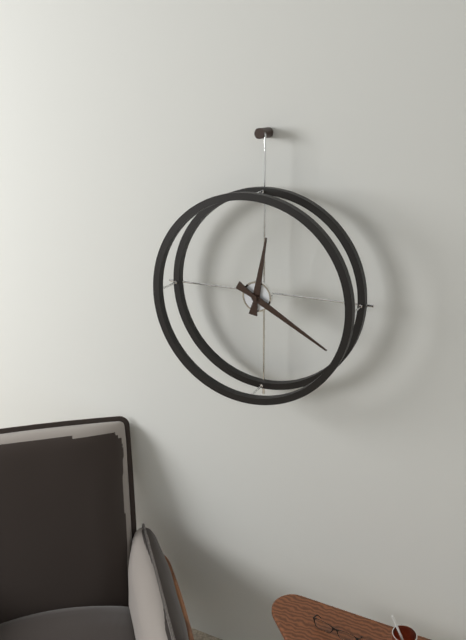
12,20
